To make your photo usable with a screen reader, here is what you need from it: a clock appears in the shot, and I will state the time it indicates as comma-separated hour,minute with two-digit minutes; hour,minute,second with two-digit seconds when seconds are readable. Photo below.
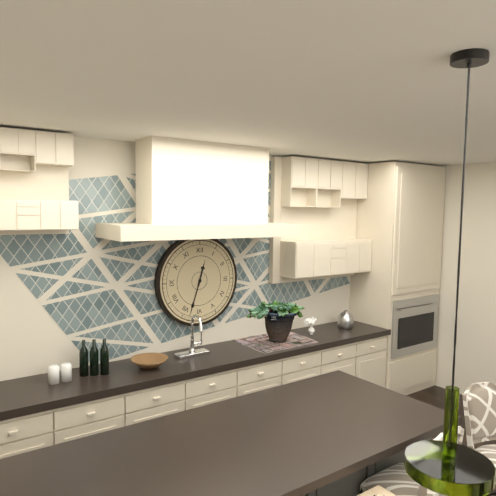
12,33
